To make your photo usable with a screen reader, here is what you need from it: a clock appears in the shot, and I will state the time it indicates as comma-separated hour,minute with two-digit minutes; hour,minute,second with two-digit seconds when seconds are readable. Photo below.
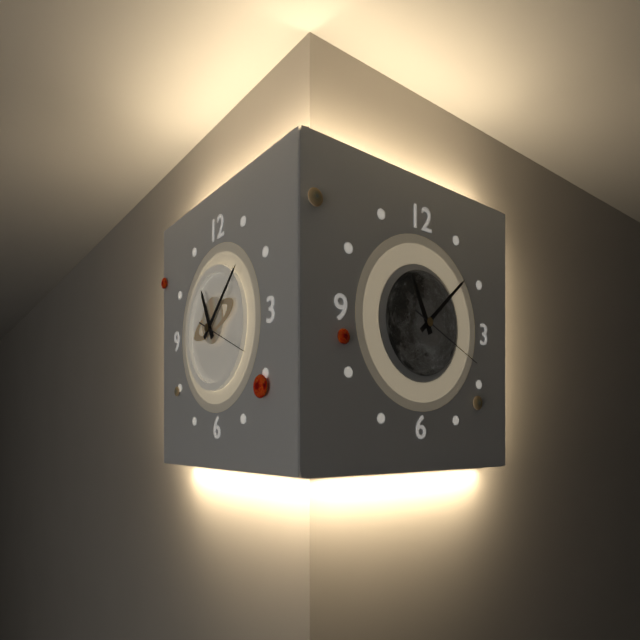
11,08,19
